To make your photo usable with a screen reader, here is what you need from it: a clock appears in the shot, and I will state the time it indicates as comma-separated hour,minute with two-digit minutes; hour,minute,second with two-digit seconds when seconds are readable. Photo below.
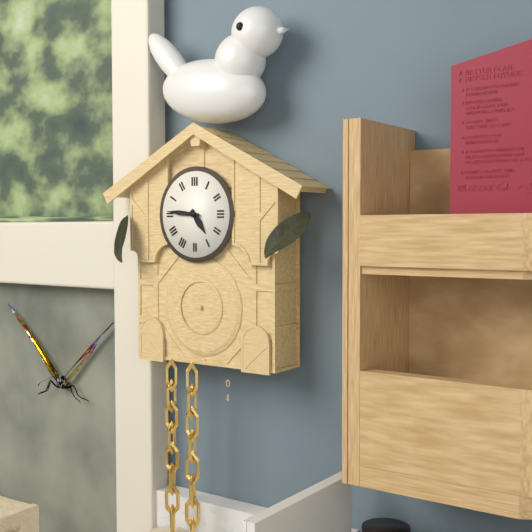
4,46
